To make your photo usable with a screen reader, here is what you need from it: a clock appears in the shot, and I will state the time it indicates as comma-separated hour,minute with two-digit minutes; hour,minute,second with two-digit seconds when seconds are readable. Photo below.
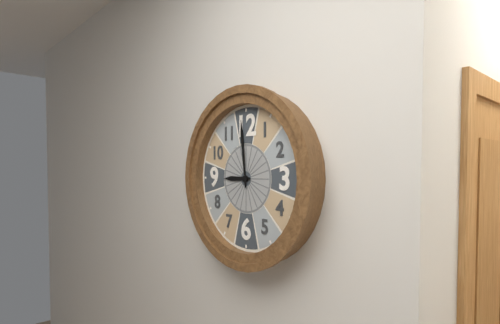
8,59
